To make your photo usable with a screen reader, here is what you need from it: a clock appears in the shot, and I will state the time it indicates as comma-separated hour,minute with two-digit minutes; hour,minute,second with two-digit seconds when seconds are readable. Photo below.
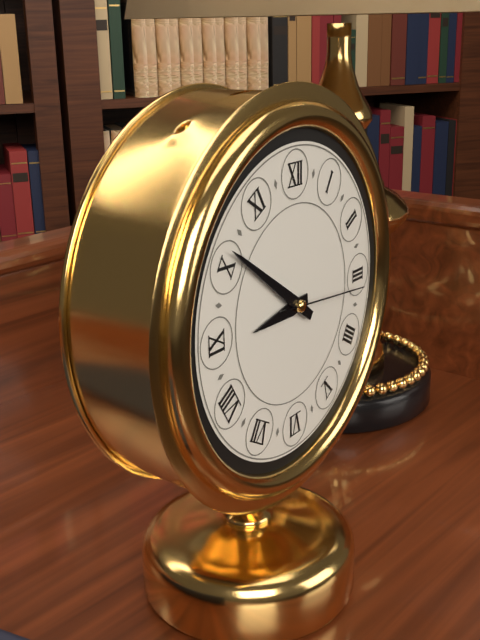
8,51,16
